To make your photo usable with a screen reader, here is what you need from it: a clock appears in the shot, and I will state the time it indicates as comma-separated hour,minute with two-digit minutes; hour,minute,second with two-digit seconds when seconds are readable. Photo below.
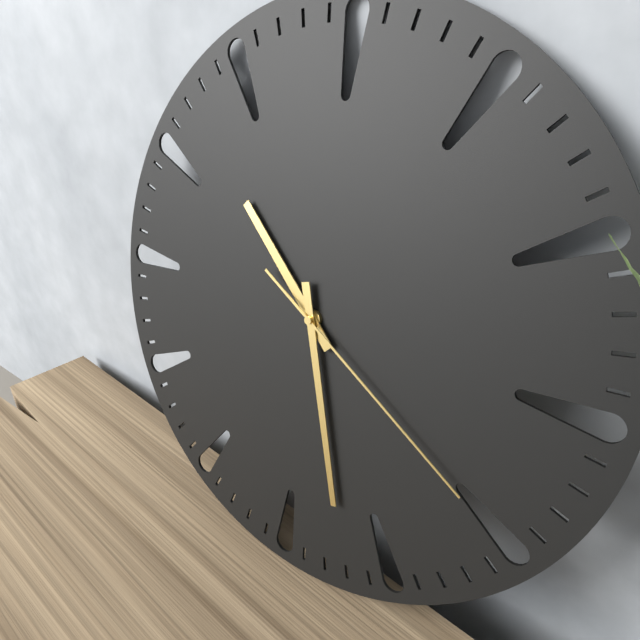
10,27,20
